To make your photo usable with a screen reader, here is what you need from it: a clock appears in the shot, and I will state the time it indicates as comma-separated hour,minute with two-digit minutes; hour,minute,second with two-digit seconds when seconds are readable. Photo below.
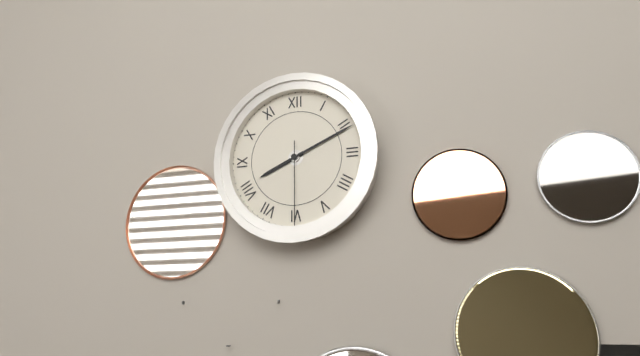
8,11,30
